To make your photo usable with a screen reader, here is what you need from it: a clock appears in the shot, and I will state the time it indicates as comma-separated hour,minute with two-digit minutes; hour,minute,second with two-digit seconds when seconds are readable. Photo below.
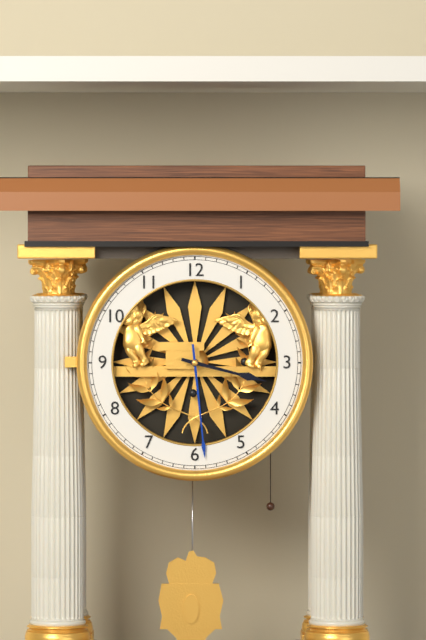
3,29
